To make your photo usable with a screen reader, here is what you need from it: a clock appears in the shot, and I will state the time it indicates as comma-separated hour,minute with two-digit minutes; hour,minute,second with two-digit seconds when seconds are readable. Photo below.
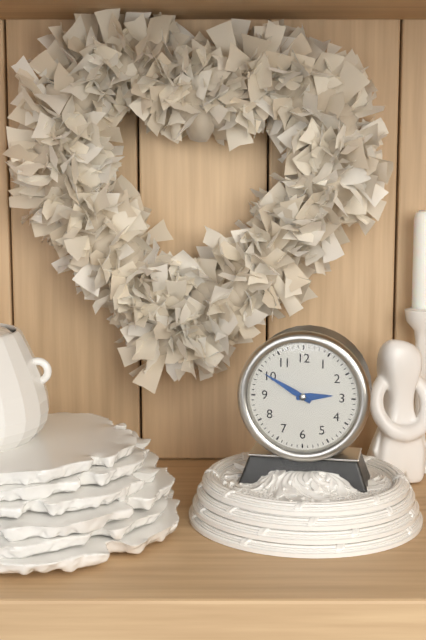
2,50
